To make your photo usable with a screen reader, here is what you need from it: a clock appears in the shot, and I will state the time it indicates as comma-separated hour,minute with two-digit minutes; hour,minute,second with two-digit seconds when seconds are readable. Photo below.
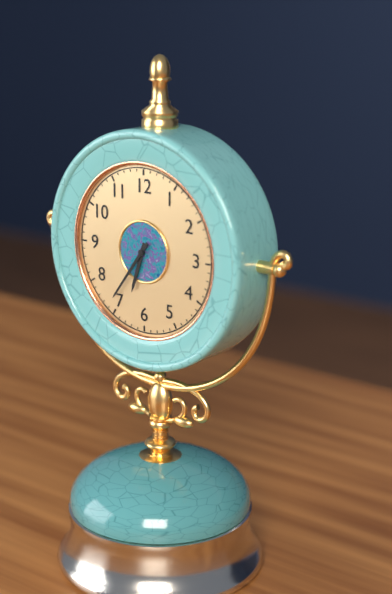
6,36
